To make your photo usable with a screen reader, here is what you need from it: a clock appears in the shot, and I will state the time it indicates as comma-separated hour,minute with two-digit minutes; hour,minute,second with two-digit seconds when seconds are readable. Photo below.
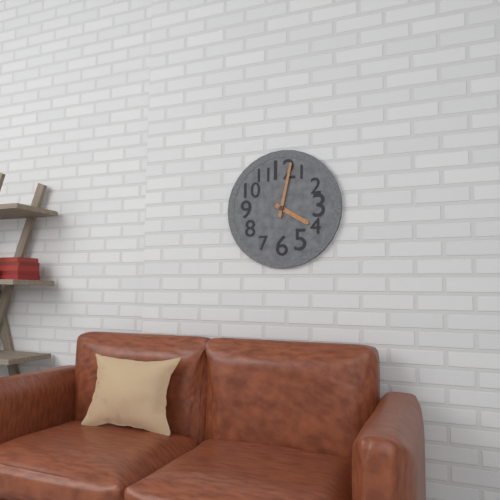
4,02
